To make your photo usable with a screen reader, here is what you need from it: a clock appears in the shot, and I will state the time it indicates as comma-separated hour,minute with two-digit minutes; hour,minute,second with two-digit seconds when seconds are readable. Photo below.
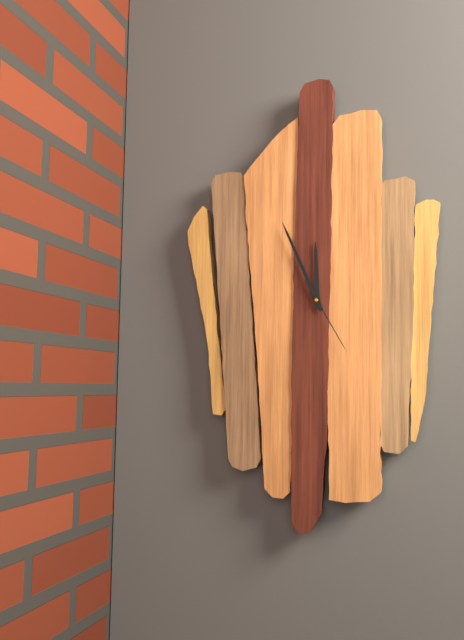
11,56,25
